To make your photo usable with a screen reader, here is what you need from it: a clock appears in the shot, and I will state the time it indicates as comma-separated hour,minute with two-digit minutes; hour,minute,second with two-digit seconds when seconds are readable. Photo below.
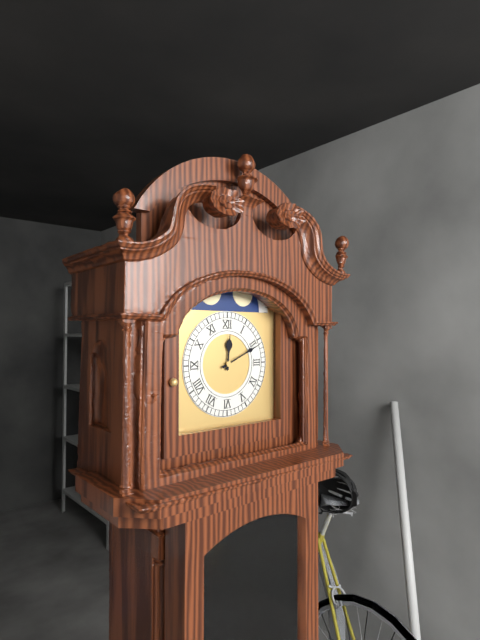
12,11
